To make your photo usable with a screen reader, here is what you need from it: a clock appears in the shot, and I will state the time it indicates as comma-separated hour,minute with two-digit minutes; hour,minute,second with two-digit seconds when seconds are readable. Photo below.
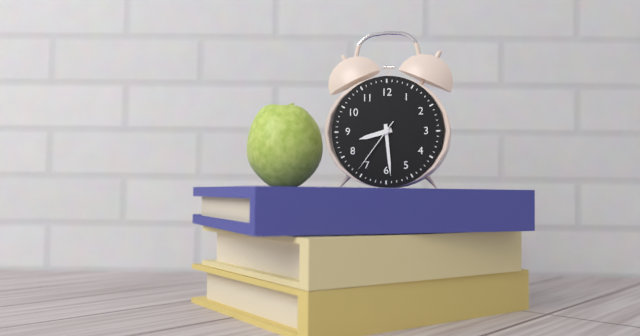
8,29,36
